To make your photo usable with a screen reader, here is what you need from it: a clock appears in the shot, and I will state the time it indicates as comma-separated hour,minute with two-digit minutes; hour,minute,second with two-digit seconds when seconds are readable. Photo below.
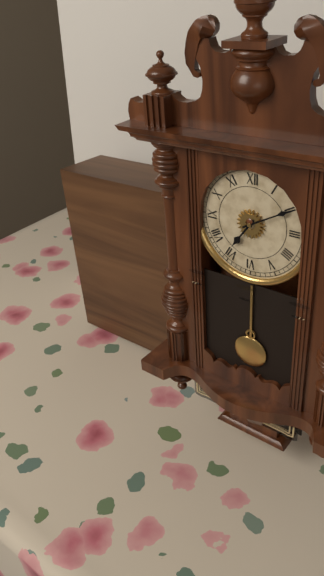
7,10
